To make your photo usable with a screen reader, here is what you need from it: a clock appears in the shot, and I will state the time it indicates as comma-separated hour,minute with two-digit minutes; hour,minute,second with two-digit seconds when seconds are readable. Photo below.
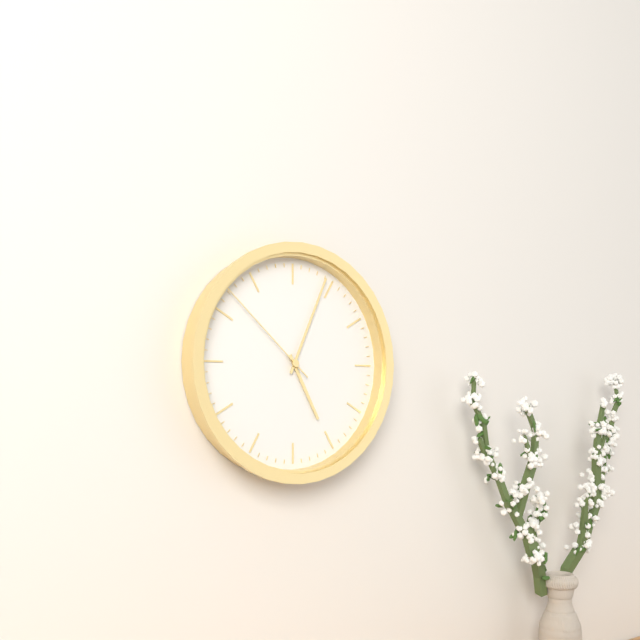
5,04,52
